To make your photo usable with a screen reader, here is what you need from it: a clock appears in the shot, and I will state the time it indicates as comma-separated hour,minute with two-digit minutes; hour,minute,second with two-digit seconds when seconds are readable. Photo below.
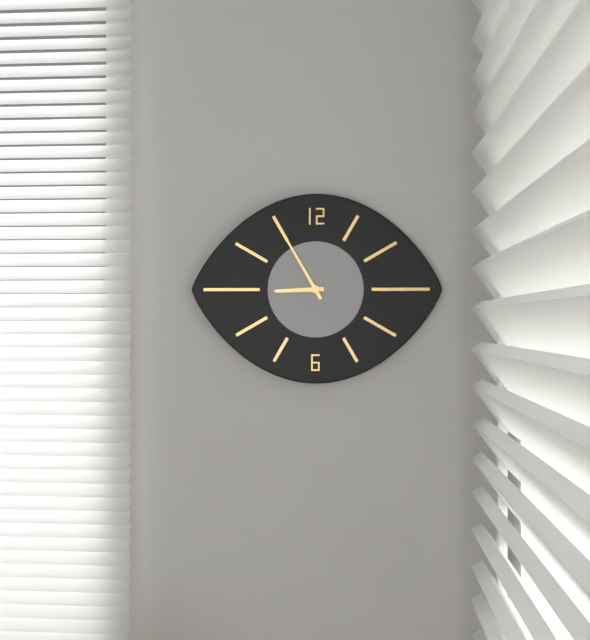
8,55
